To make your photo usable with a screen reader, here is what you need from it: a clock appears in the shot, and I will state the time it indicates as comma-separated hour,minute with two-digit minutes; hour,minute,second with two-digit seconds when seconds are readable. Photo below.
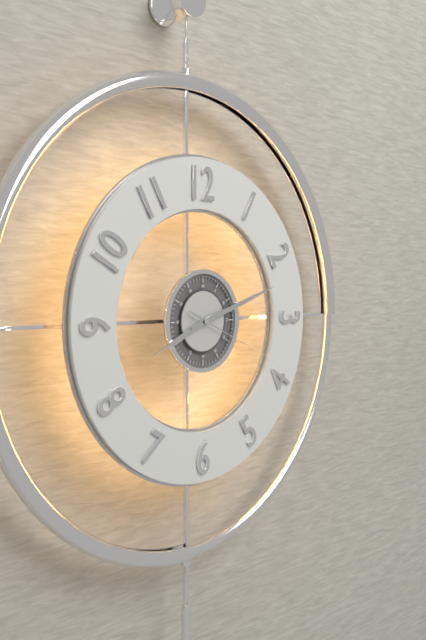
8,12,19
